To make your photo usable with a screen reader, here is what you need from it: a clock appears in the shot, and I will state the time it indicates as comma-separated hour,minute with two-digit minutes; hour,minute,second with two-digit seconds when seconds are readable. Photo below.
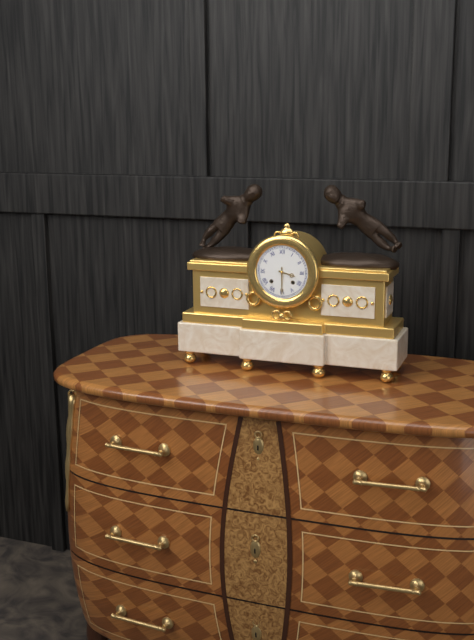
3,30
